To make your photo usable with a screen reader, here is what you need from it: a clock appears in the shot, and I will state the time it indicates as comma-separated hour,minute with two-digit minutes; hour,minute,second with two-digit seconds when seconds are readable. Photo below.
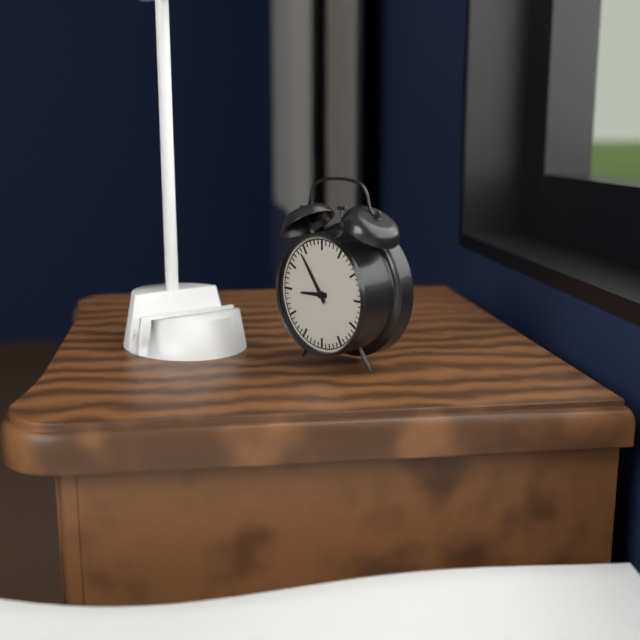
8,54
